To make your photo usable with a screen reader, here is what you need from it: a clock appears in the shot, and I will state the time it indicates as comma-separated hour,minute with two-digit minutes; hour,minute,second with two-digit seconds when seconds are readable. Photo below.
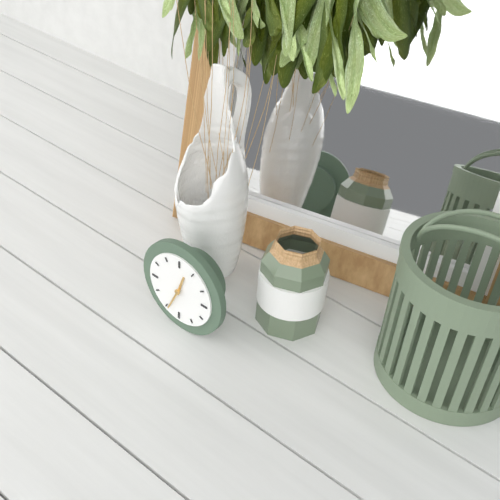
12,34
